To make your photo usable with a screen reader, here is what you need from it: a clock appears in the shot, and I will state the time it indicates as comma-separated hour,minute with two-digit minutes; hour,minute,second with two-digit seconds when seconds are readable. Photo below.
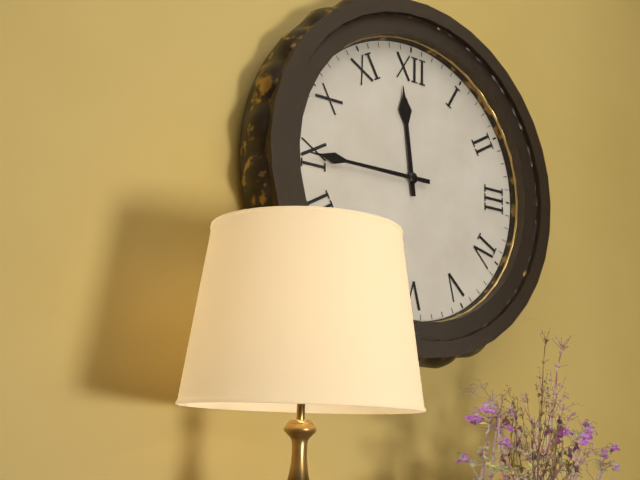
11,45
